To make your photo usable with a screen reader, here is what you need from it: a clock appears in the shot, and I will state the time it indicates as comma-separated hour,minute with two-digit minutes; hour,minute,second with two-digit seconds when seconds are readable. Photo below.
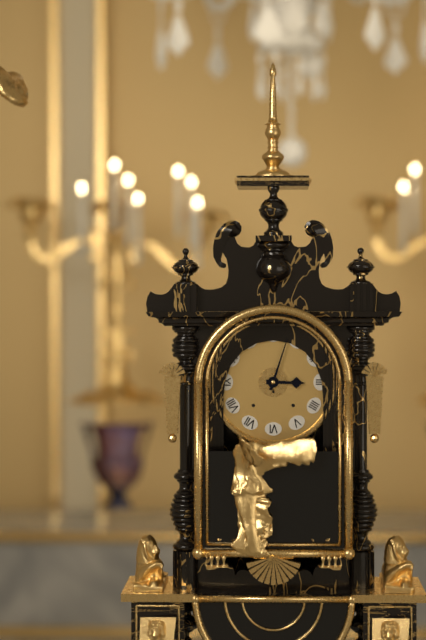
3,03
